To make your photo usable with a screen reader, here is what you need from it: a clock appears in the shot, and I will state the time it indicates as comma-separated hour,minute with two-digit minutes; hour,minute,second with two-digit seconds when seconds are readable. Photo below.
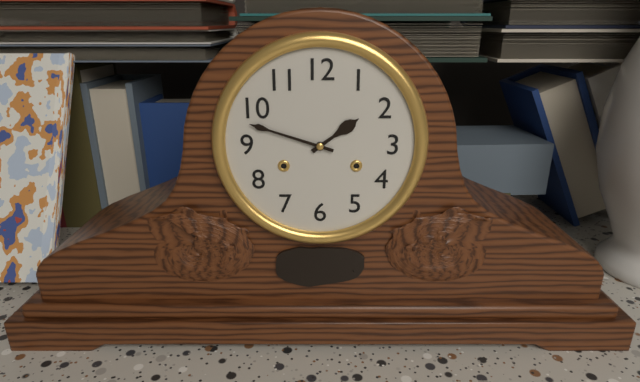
1,48
